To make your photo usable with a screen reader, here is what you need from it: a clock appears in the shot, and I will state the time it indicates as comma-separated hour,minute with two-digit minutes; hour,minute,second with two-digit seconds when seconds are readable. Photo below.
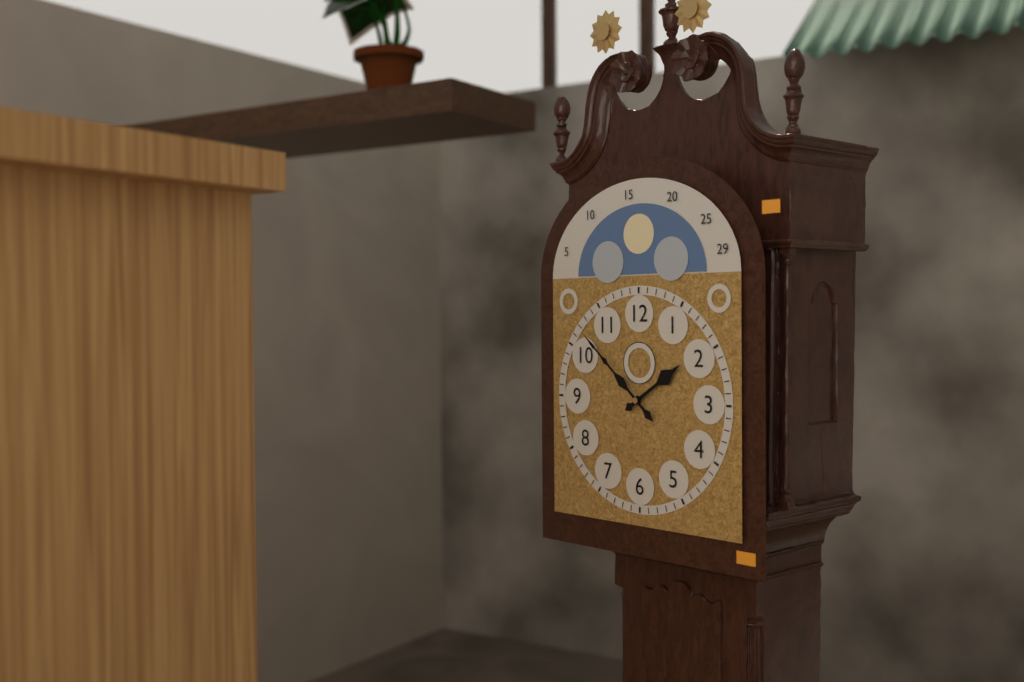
1,52
